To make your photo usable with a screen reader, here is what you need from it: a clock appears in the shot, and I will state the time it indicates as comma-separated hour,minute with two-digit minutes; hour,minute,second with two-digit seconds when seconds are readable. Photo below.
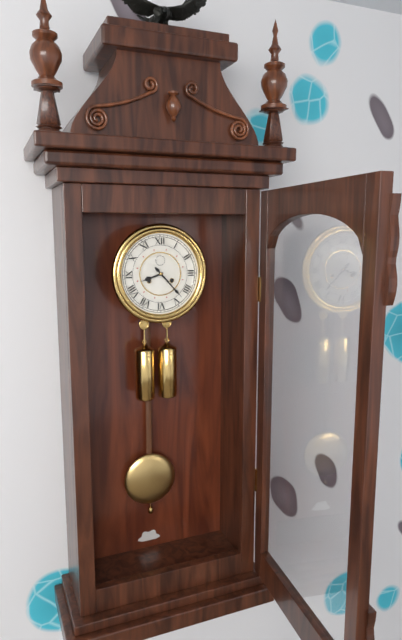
8,23
